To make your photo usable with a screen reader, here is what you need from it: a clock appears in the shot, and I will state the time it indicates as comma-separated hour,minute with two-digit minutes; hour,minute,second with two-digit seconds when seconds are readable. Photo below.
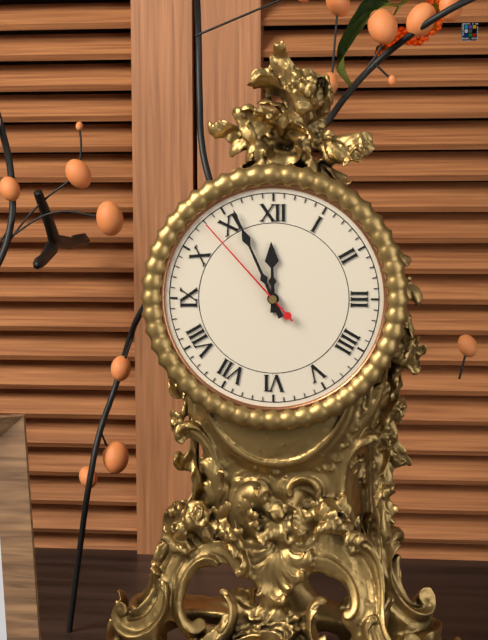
11,56,53
